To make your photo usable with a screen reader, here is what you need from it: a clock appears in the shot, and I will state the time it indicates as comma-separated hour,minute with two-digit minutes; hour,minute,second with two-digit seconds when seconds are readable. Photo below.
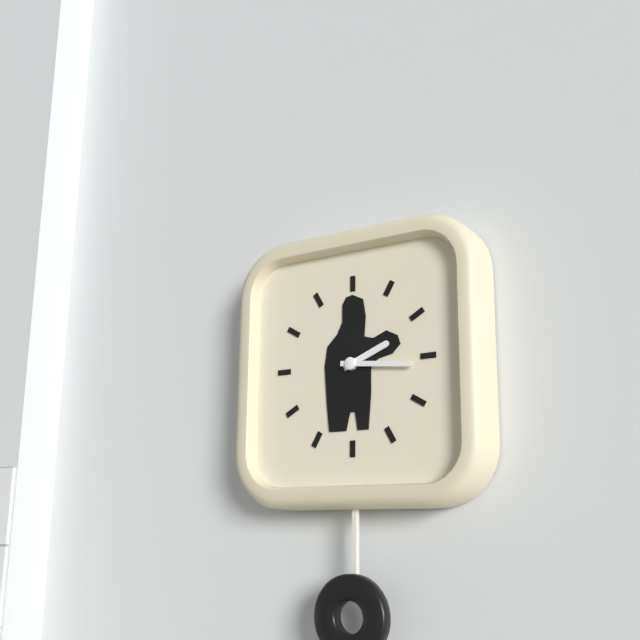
2,16
